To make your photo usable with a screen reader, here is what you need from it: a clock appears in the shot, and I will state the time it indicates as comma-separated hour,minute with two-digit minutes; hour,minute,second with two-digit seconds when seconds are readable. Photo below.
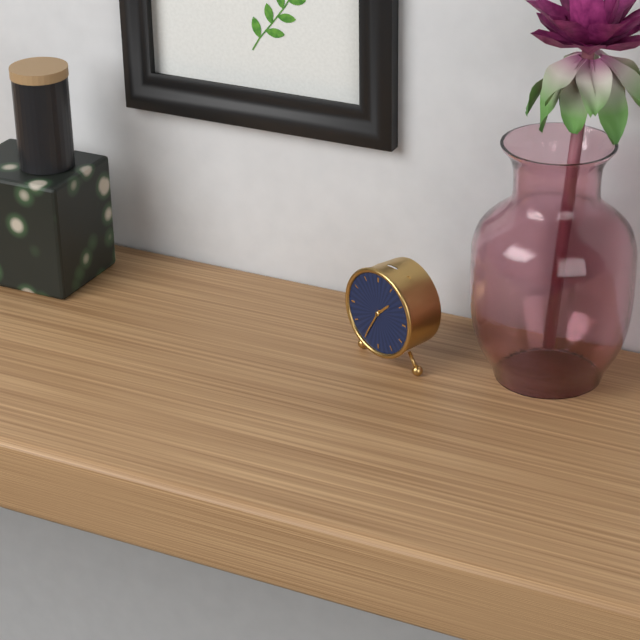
1,35
